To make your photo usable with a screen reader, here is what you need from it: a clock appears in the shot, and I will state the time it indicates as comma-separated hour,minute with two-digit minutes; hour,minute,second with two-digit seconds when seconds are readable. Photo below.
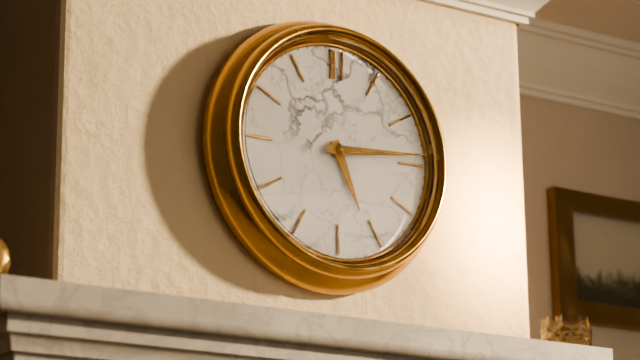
5,14
